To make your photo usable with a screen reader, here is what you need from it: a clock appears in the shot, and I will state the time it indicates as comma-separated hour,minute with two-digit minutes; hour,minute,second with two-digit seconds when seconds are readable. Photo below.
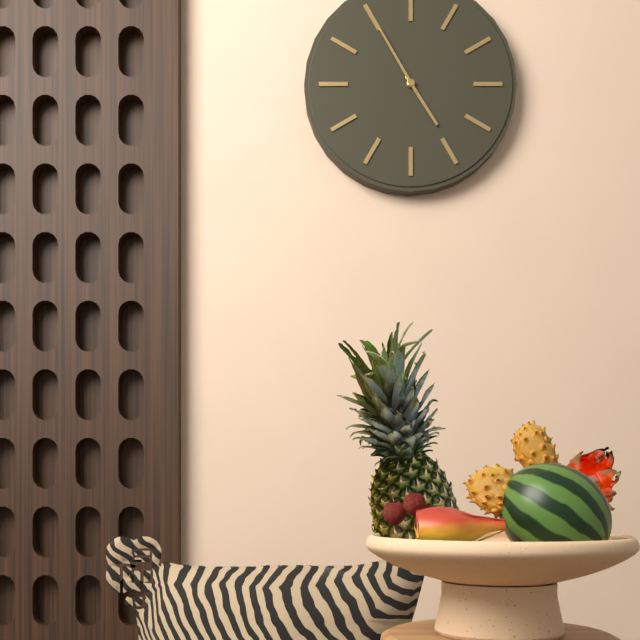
4,55
